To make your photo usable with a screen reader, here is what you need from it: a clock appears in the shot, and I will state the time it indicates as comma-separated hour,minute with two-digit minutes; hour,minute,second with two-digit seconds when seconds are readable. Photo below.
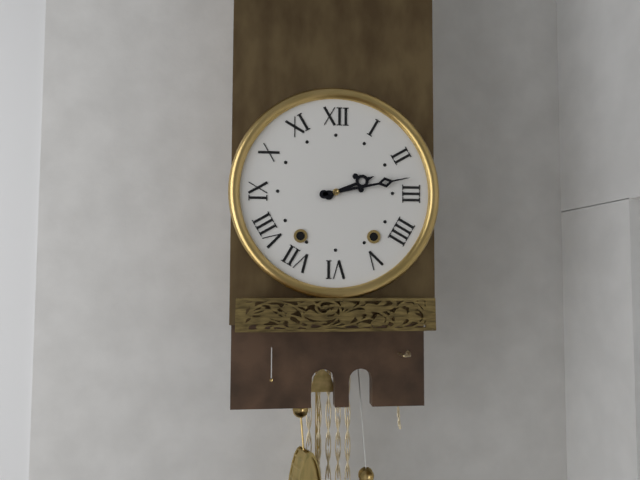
2,13
